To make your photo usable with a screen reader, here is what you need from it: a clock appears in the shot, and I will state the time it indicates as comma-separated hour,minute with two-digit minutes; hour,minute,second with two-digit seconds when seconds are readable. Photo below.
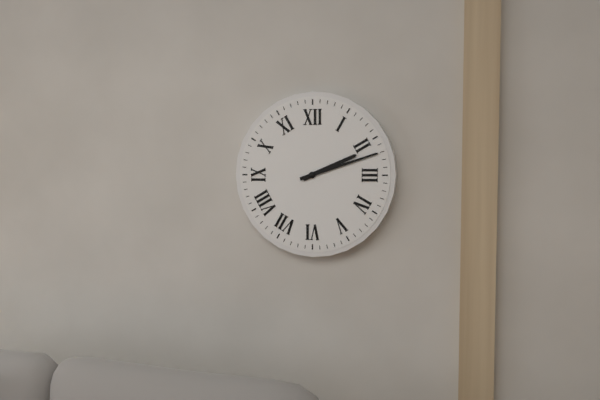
2,12
